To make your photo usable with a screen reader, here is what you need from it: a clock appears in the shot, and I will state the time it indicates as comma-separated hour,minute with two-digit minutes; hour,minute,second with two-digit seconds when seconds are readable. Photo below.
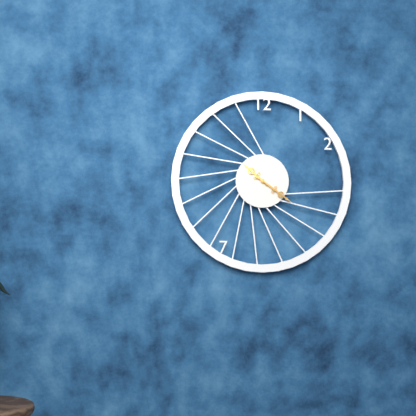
10,21
